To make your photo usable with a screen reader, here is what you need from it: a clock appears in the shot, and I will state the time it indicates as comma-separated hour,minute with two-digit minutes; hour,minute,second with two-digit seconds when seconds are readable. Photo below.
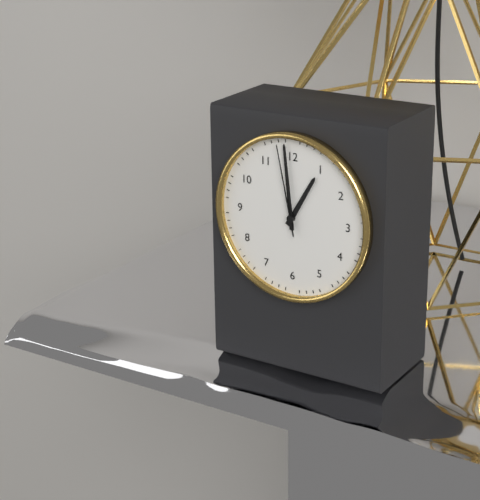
12,59,58
